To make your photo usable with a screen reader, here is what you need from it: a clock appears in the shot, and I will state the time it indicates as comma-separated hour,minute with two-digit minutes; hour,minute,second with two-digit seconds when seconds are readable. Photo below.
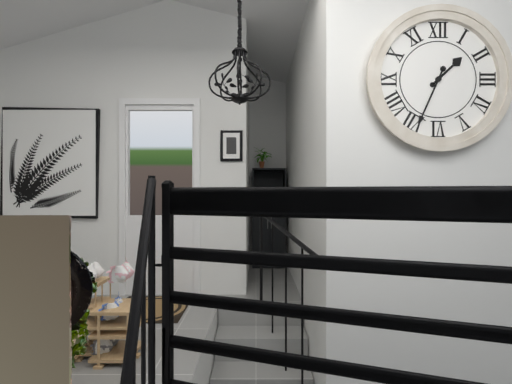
1,34
